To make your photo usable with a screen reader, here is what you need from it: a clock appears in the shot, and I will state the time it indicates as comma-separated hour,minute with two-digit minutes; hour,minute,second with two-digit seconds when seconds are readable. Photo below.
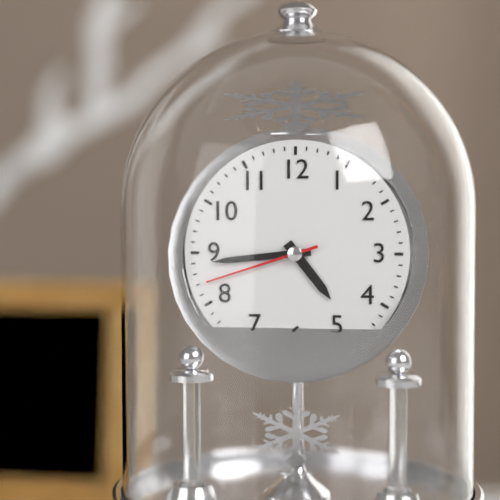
4,44,42
